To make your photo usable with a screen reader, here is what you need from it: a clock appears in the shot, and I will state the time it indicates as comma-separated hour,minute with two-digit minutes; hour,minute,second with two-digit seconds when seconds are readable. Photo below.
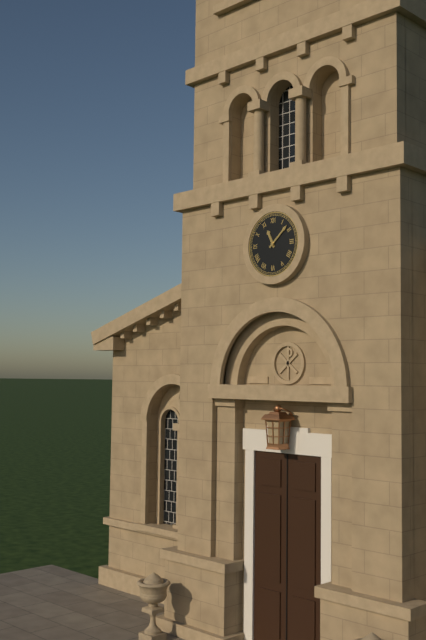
11,08
